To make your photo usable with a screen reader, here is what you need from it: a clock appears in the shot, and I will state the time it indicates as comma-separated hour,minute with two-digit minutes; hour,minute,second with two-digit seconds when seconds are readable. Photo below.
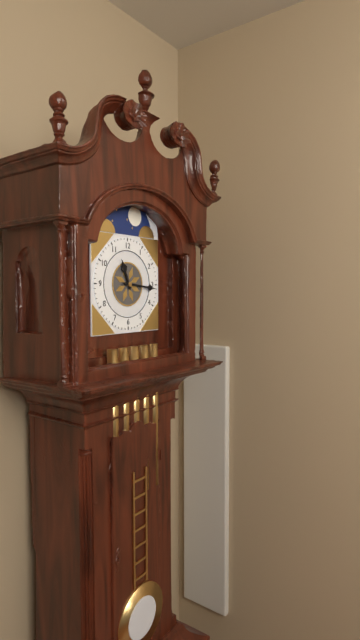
11,16
